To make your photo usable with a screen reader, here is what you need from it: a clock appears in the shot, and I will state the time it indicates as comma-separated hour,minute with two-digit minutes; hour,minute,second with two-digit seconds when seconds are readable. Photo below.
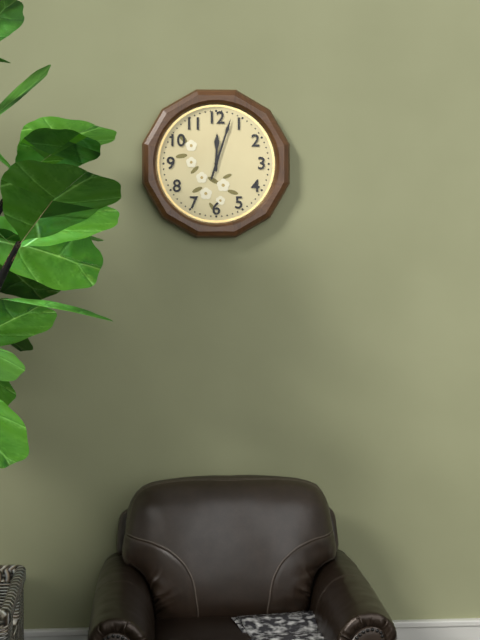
12,03
